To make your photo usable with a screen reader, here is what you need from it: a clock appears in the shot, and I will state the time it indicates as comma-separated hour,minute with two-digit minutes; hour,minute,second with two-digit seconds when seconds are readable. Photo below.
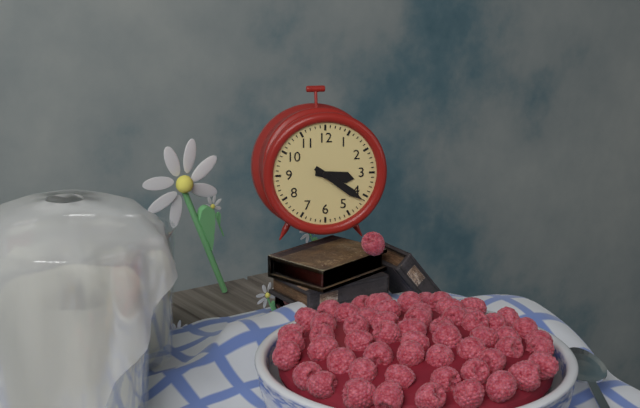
3,21
